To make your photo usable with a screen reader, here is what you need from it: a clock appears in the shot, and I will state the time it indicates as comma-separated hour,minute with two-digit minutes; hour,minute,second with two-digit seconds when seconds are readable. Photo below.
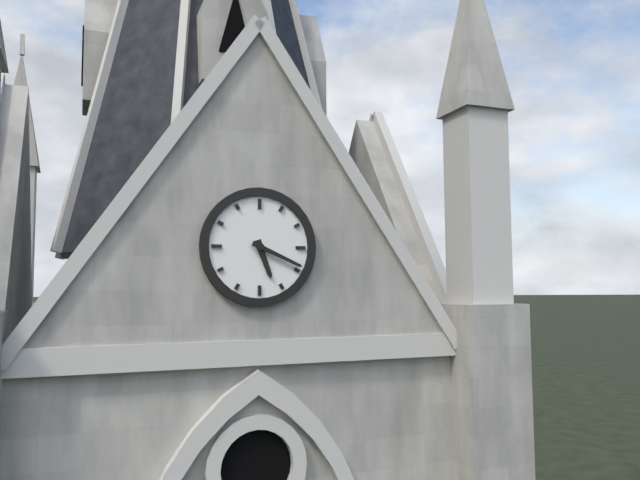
5,19
